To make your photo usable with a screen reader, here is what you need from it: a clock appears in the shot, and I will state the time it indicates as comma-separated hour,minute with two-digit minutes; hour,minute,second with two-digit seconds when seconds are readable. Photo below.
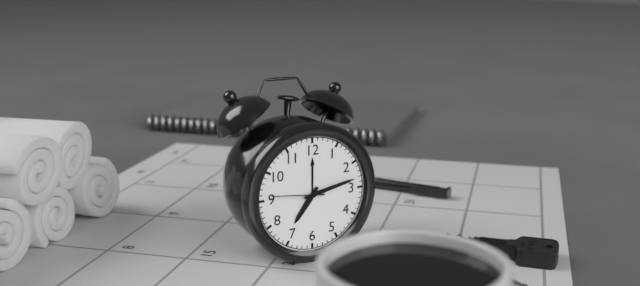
7,13,46
